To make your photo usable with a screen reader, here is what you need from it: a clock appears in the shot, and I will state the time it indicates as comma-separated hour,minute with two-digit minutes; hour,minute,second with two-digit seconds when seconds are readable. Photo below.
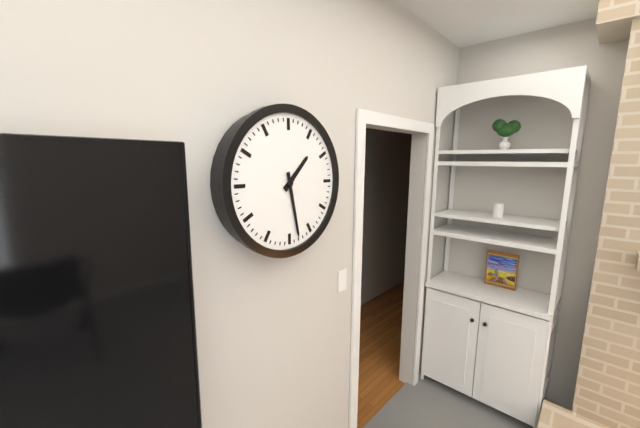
1,28
